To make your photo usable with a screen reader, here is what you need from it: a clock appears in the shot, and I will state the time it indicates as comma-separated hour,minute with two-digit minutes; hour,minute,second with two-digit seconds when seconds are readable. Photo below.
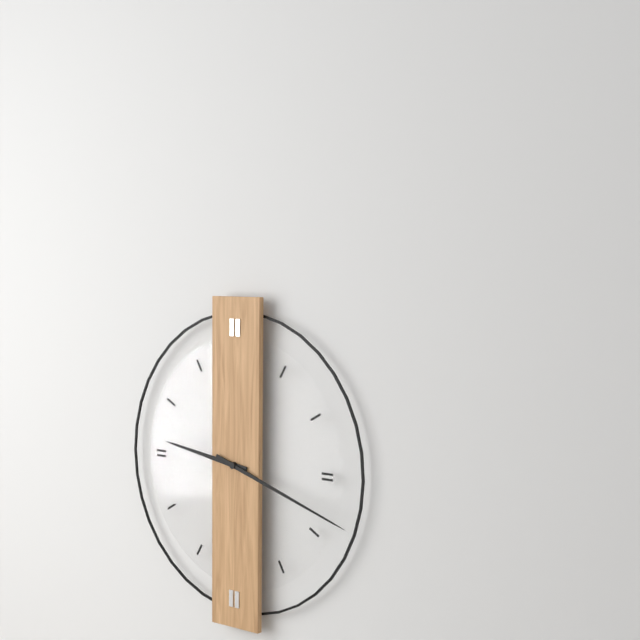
9,18
